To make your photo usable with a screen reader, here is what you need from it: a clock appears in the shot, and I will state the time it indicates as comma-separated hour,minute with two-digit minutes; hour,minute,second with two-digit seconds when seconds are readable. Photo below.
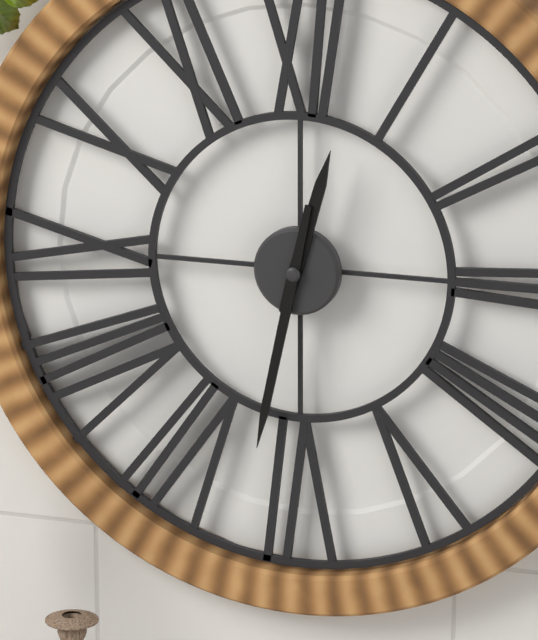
12,32
